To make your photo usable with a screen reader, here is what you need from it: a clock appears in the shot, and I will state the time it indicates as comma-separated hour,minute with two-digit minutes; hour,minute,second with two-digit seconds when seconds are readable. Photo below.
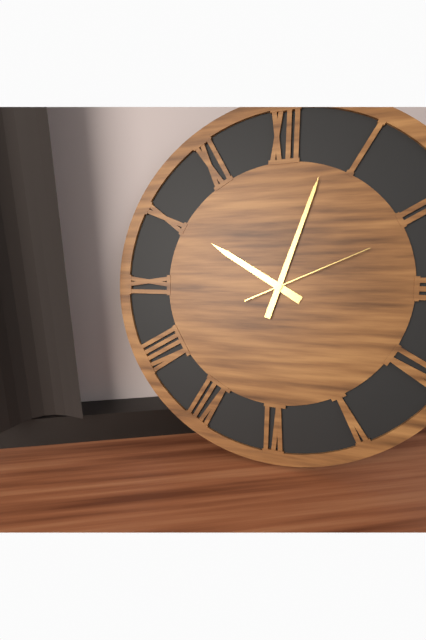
10,03,11
